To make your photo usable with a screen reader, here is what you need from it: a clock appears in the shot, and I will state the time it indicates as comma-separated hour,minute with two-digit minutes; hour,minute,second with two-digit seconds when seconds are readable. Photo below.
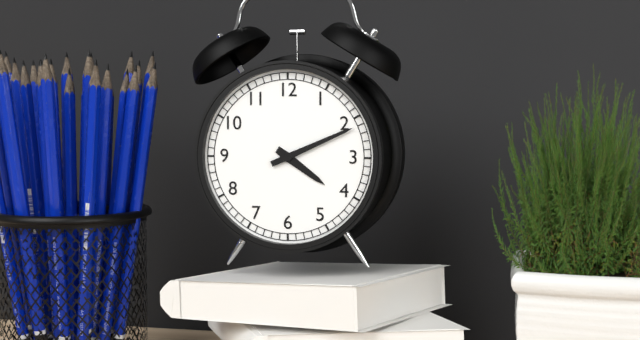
4,11
